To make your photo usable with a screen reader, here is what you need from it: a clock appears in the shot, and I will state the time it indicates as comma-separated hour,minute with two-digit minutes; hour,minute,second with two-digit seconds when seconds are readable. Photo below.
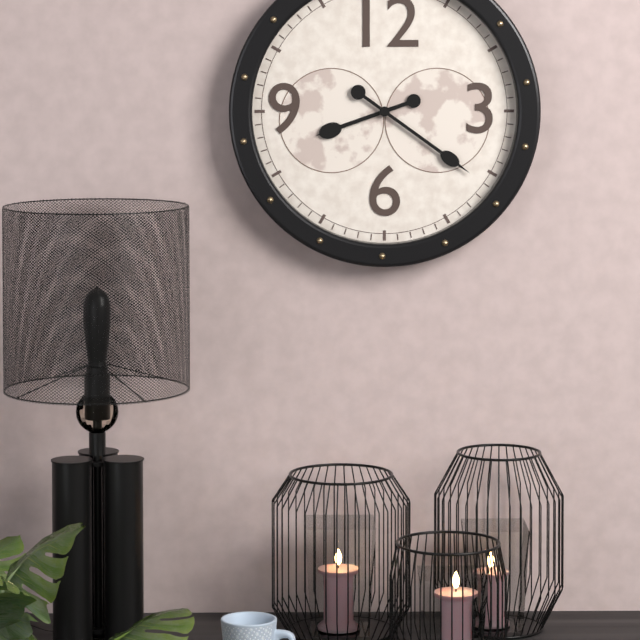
8,21
